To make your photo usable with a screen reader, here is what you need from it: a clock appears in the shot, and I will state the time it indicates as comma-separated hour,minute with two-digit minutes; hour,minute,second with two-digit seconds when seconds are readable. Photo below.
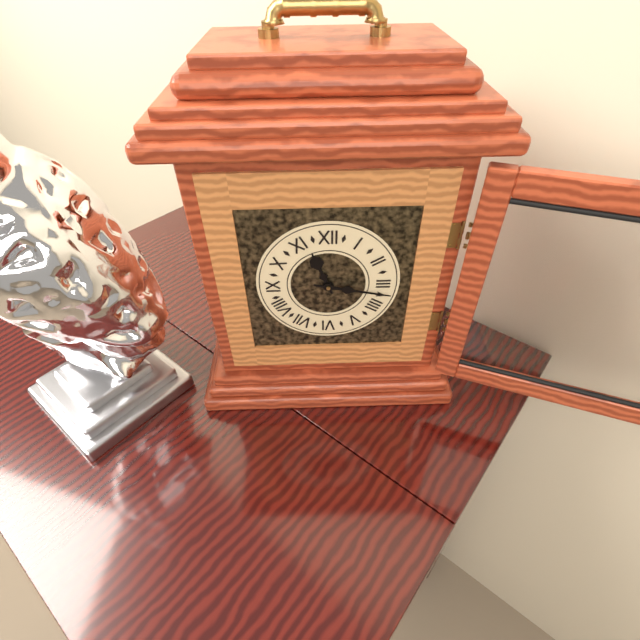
11,17
